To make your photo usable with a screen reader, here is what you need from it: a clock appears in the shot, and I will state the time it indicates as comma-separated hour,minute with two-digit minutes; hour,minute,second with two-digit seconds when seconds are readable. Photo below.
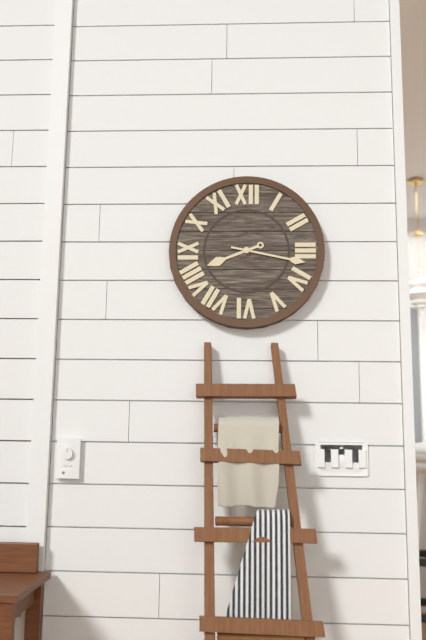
8,17
